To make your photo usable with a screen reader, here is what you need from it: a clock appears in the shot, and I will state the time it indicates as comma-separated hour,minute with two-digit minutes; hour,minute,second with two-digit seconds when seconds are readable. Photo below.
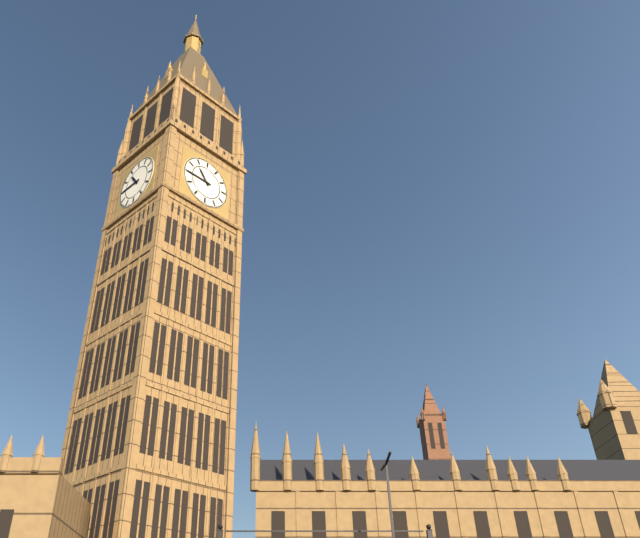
10,45
